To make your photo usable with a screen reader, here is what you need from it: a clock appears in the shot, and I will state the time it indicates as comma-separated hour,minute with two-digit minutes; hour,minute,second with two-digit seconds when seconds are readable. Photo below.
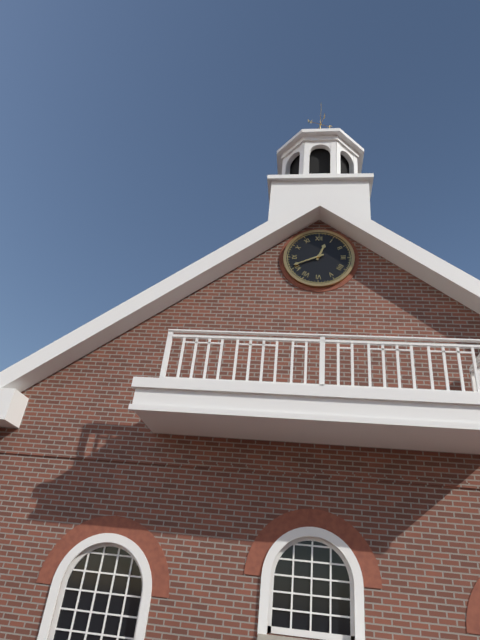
12,41
